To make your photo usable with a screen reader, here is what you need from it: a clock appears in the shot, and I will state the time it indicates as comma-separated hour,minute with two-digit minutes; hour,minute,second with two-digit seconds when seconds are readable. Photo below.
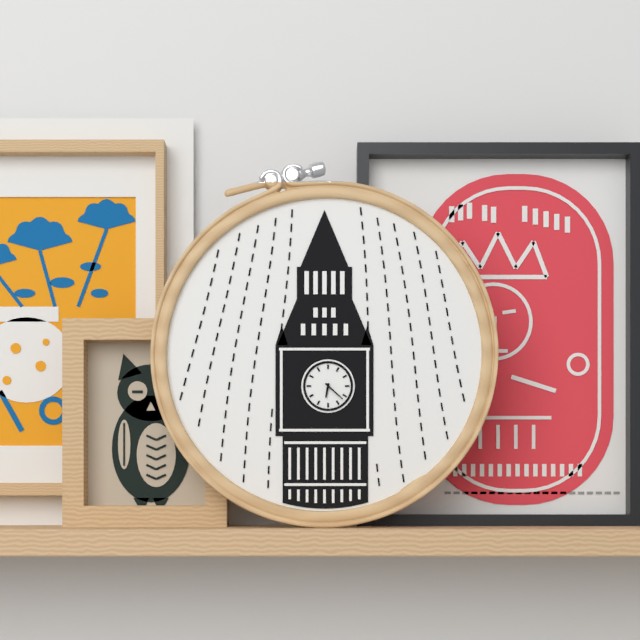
6,22
